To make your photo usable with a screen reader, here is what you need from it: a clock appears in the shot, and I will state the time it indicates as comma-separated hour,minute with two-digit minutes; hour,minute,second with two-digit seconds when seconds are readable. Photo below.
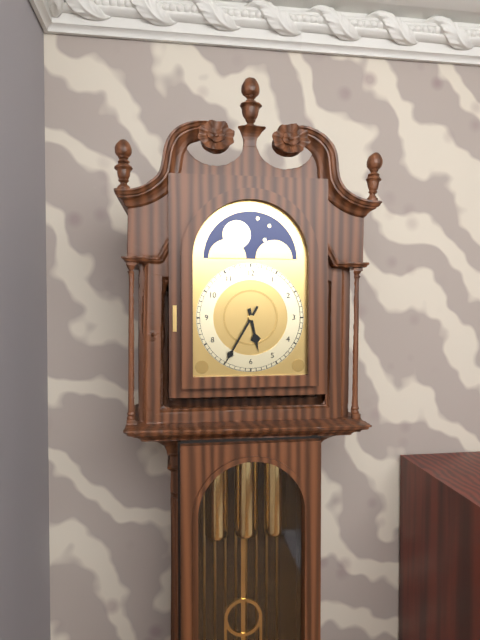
5,35
